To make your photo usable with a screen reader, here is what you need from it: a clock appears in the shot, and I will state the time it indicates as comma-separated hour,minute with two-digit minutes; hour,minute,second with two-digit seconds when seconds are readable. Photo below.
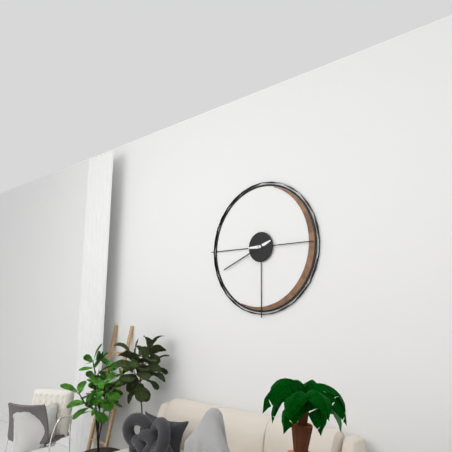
8,15
